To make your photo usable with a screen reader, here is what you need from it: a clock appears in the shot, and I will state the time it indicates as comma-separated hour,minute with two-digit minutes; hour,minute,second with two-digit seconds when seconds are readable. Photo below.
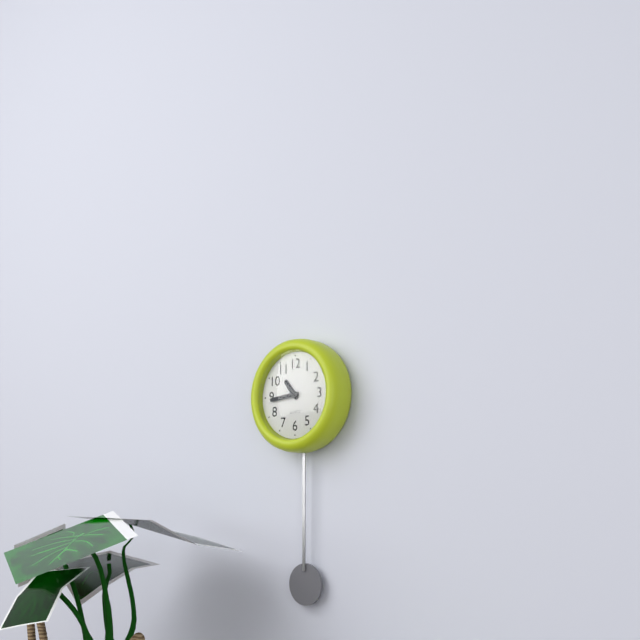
10,44
